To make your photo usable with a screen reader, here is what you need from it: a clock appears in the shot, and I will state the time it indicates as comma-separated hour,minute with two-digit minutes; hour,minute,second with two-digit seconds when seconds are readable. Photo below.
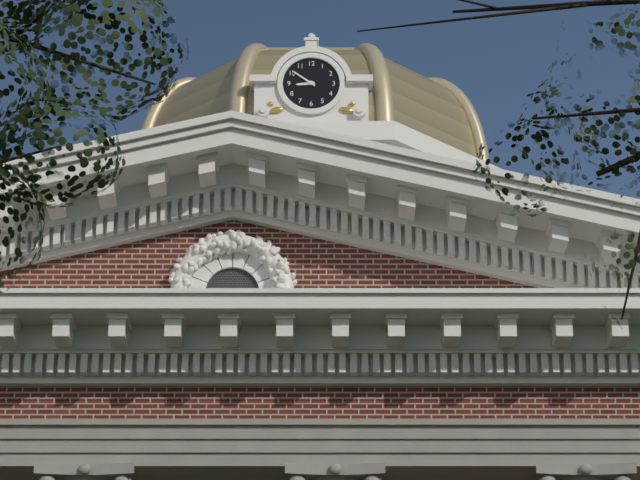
8,51
